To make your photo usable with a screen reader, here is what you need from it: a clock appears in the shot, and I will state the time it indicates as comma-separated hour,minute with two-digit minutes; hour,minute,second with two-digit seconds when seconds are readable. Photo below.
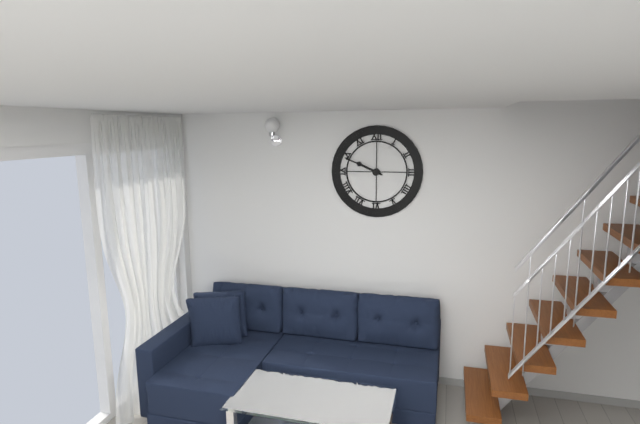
9,49
